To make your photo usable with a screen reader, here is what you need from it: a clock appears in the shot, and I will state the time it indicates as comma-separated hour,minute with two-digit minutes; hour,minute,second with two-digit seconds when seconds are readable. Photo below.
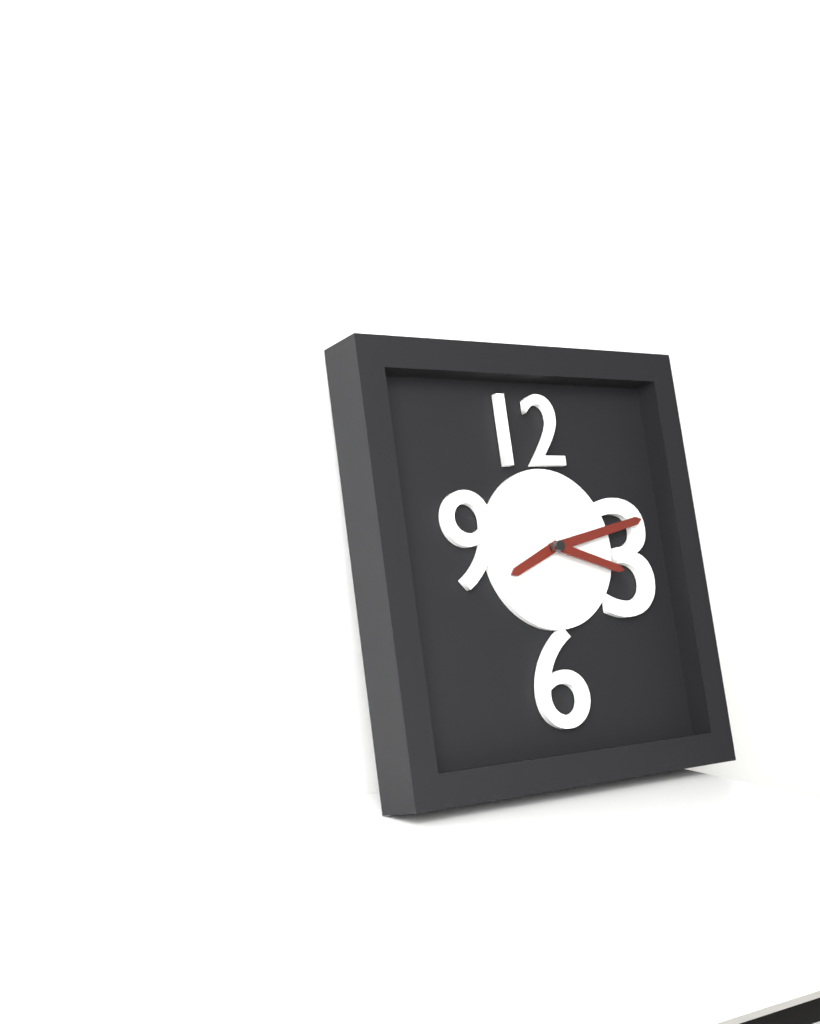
8,13,18
